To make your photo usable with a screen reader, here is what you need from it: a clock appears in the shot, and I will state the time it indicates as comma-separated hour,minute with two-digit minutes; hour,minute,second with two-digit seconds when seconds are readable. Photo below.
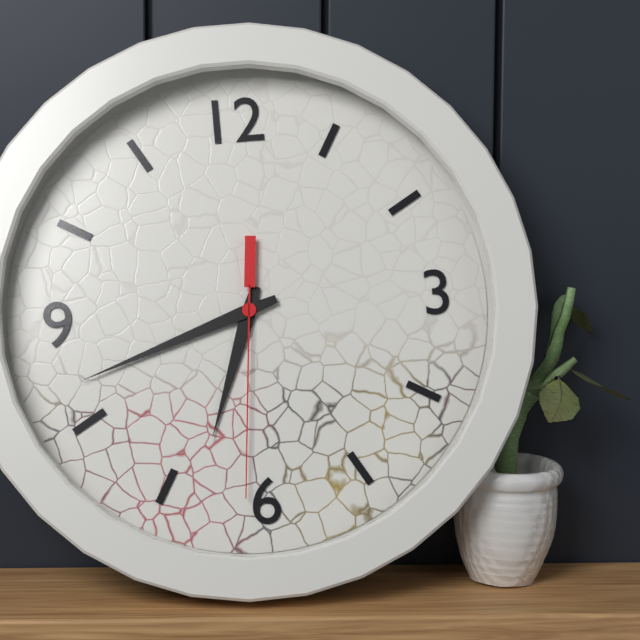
6,42,31
